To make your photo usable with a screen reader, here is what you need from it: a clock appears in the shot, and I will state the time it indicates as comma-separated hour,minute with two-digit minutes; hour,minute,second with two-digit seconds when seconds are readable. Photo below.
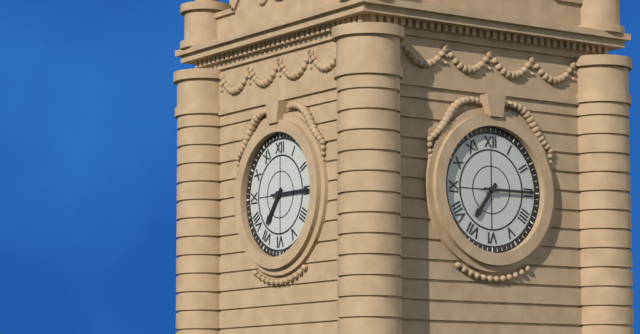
7,15
